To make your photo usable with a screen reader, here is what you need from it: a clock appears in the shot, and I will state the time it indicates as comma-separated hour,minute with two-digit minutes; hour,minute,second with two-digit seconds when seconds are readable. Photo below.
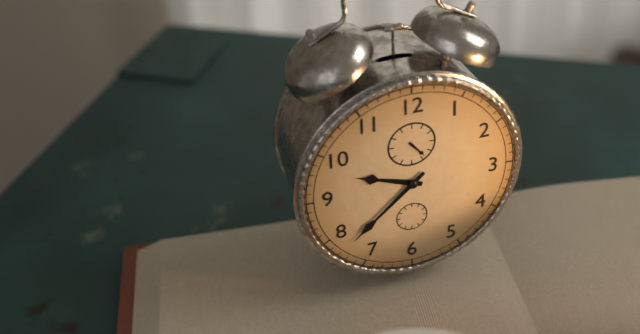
9,38
